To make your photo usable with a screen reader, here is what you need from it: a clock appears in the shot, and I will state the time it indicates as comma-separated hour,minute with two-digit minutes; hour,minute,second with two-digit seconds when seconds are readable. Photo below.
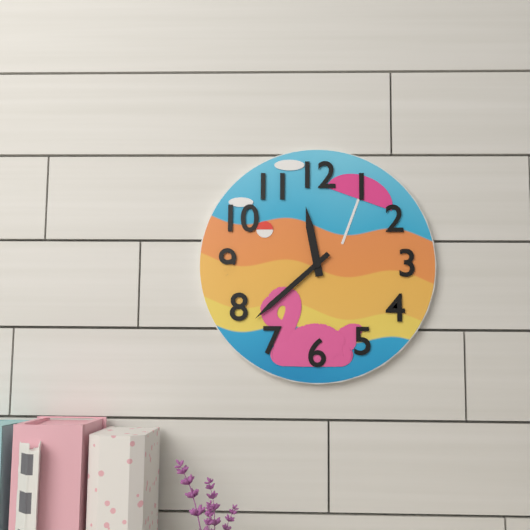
11,38
